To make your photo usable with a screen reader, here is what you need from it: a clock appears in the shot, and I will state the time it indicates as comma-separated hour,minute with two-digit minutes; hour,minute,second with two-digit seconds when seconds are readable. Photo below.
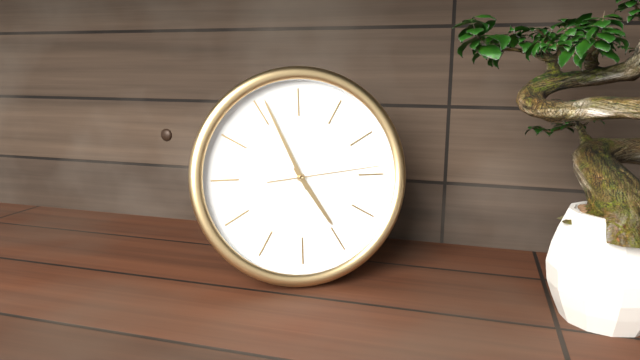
4,56,14
